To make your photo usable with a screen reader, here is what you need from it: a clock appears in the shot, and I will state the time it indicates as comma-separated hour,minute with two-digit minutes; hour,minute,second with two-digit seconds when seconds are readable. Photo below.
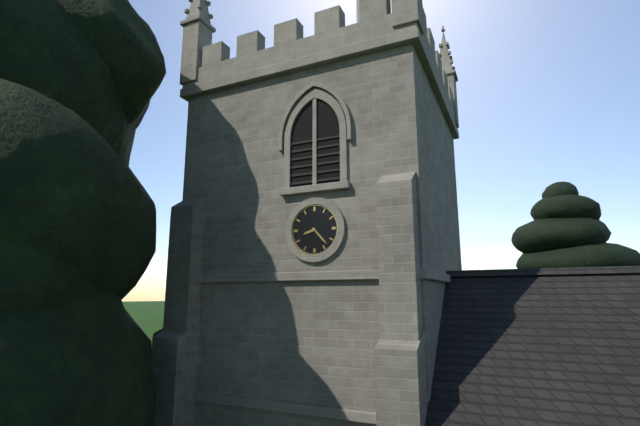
8,23
